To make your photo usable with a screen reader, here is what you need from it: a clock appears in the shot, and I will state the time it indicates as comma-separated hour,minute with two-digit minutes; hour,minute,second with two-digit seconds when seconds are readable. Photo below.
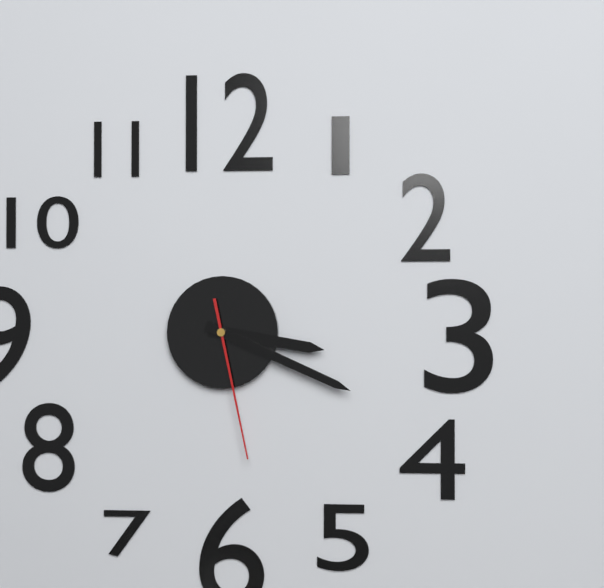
3,19,28
